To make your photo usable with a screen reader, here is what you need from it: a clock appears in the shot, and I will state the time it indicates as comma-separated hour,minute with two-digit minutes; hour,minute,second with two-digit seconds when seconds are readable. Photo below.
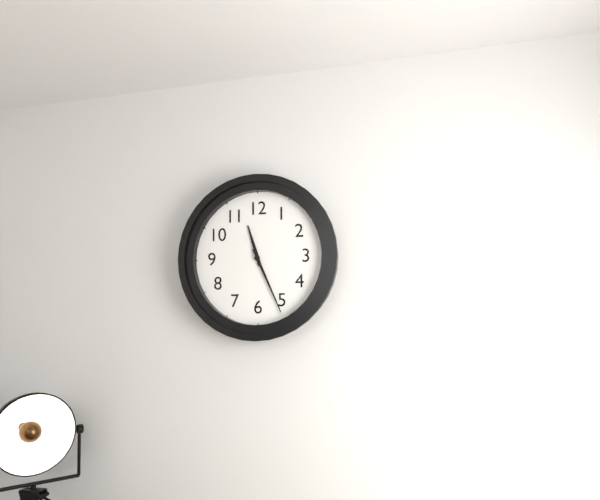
11,26
